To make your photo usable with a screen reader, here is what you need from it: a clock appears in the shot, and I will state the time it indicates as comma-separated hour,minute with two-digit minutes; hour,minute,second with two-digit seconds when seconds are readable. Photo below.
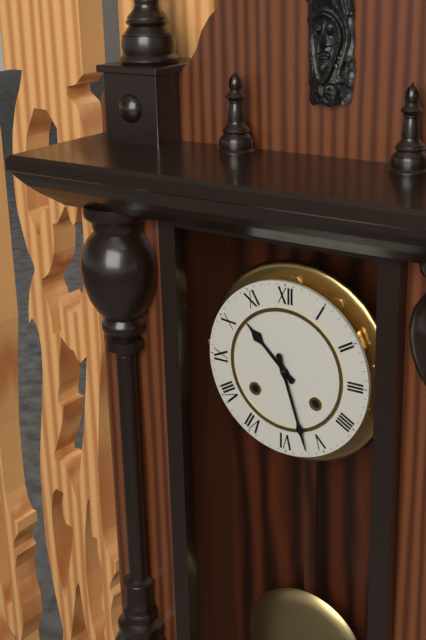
10,27
